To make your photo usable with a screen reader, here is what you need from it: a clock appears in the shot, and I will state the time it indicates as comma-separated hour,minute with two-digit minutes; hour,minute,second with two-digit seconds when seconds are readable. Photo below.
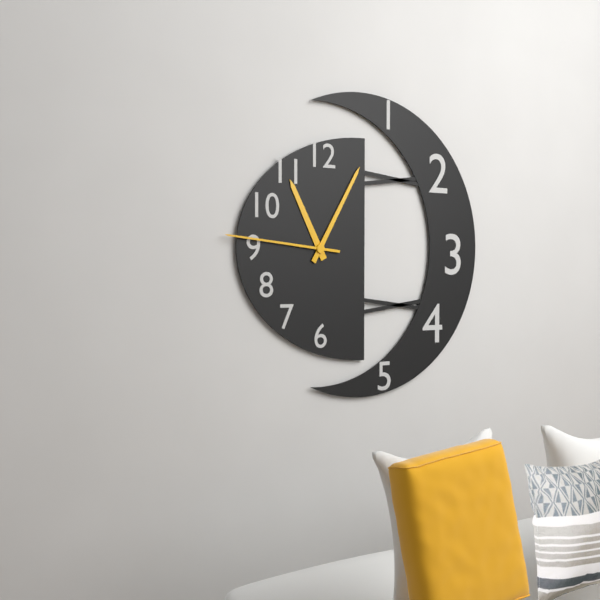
11,05,46
